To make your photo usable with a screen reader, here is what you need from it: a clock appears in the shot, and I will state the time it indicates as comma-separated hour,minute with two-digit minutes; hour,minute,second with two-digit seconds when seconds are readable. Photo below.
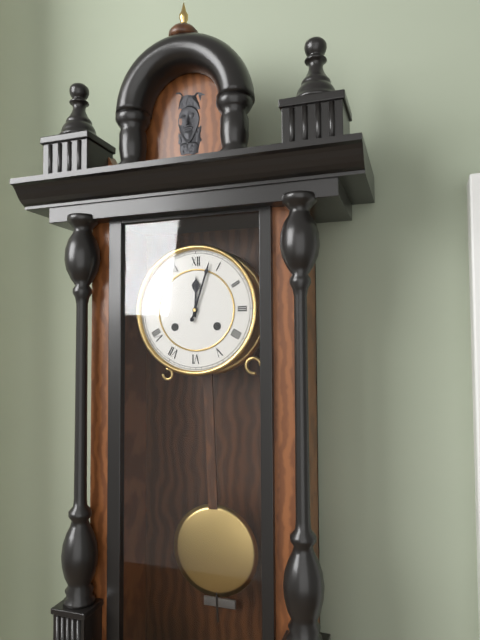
12,03
